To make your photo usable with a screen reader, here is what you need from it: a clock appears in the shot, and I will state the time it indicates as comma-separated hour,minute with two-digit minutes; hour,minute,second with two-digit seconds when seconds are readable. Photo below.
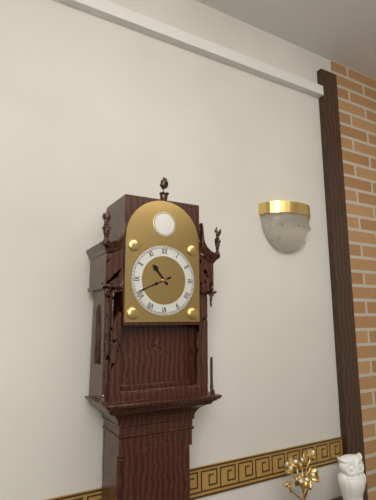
10,41
